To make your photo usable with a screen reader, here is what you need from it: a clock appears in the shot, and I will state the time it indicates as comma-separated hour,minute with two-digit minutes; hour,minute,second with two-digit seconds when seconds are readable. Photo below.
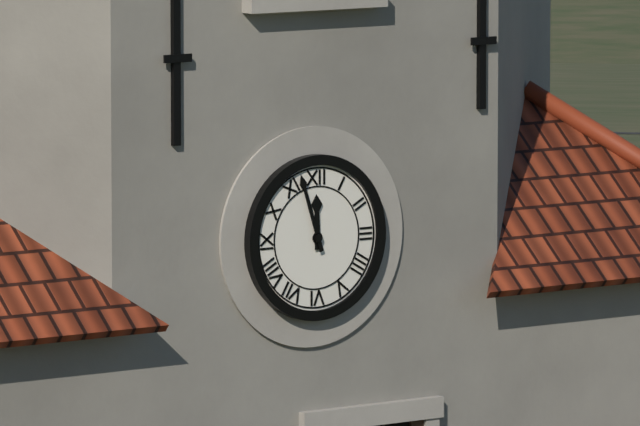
11,57
